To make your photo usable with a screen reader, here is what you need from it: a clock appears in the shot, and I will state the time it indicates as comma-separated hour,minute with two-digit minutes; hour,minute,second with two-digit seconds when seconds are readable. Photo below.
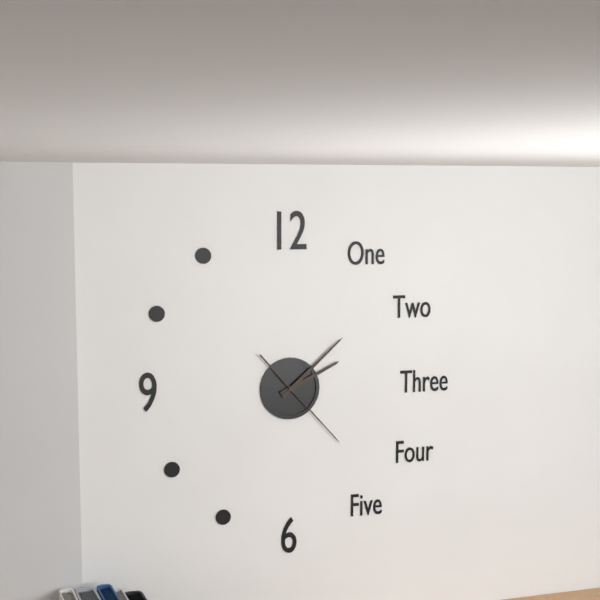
2,08,23
